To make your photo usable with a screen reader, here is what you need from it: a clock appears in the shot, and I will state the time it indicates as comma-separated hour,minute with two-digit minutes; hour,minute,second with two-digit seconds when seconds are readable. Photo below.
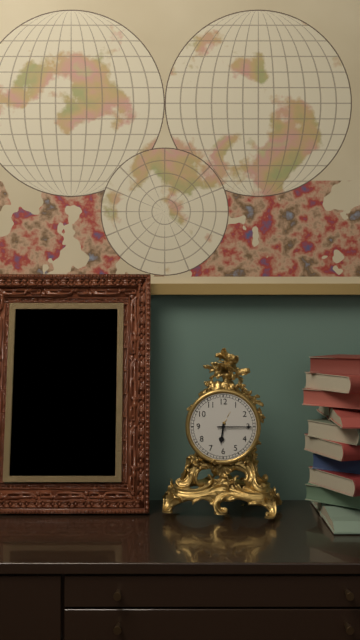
6,15
